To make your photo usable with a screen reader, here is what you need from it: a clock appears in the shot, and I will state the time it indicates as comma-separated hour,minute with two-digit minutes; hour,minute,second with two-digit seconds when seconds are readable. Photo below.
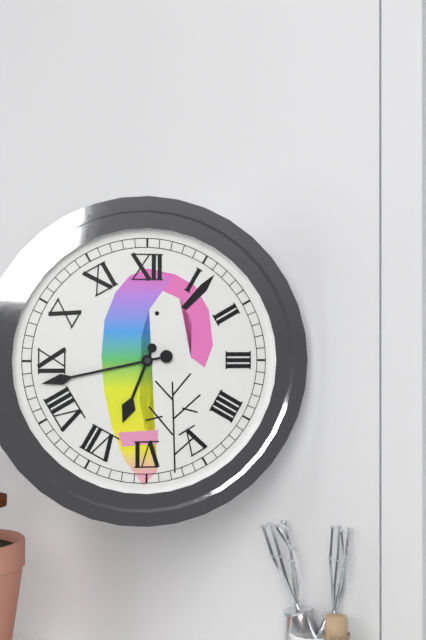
6,43
